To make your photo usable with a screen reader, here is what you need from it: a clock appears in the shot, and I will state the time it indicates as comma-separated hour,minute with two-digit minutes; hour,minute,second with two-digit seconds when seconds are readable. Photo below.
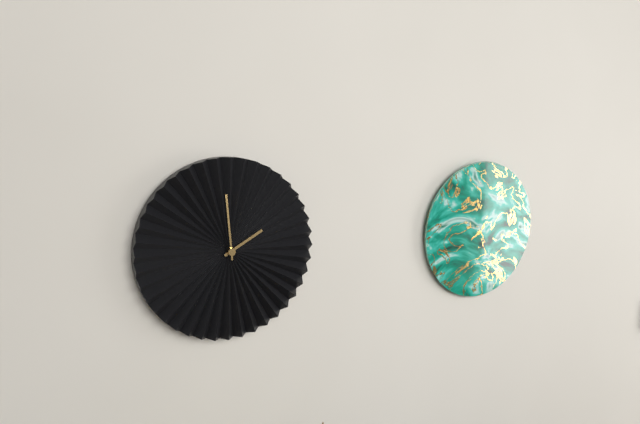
1,59
